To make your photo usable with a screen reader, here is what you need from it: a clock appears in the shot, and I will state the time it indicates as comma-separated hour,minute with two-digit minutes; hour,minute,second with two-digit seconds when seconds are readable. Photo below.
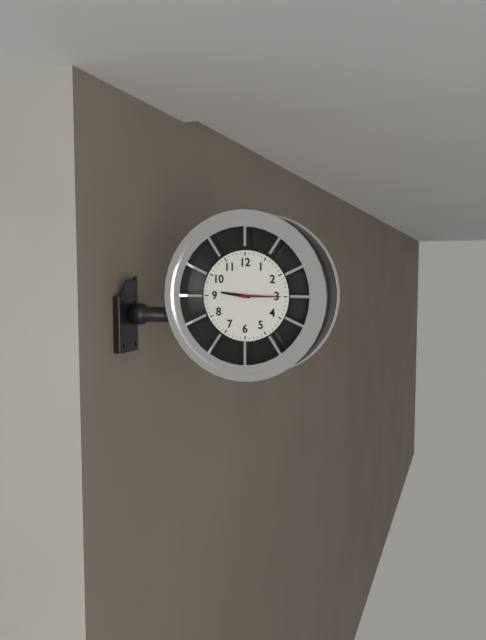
9,15
